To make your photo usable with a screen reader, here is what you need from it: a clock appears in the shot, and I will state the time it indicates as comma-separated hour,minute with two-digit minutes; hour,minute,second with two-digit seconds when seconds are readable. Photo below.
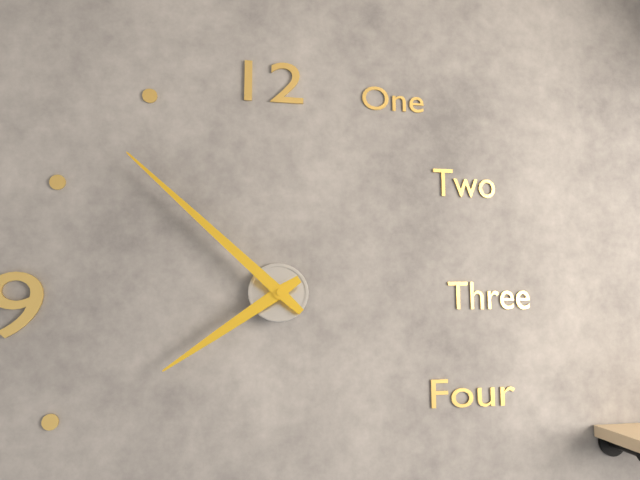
7,52
